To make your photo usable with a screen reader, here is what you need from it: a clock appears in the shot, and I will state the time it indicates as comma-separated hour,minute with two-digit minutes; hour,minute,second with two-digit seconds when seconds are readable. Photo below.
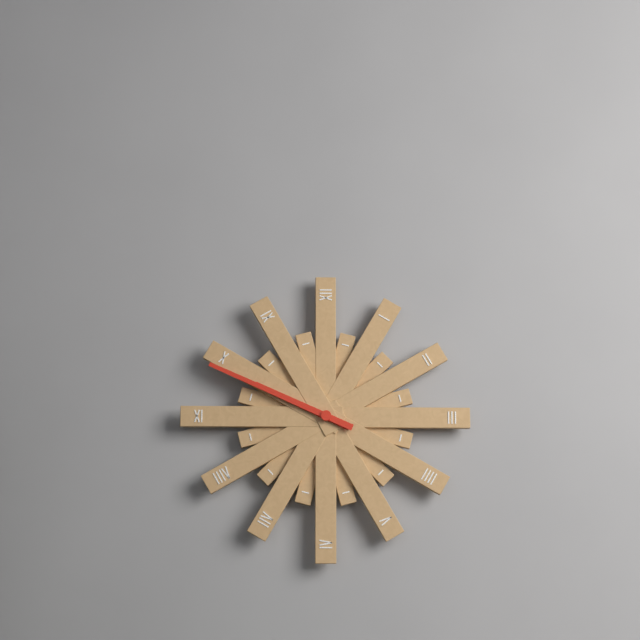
9,49
